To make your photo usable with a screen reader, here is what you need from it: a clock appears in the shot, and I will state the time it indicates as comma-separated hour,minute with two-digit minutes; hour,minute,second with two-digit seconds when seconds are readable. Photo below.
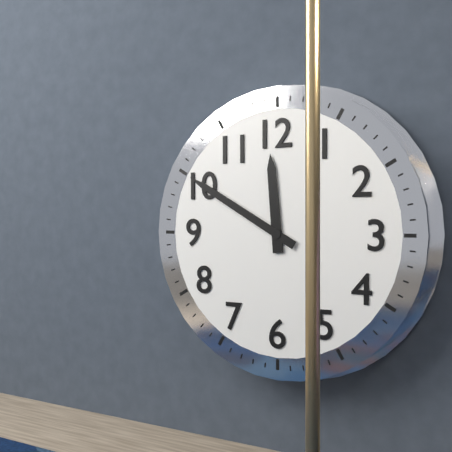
11,50
